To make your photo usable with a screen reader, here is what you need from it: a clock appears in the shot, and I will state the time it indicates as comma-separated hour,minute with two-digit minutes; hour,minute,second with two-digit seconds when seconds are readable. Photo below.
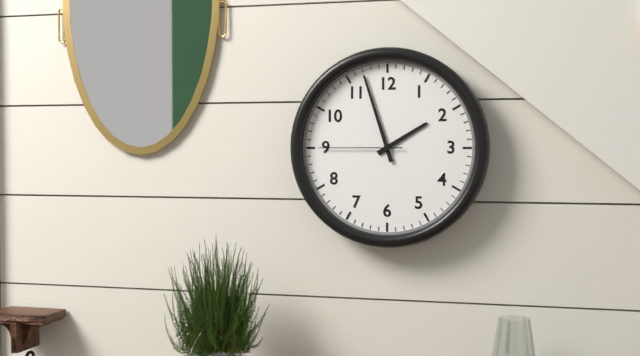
1,57,45
